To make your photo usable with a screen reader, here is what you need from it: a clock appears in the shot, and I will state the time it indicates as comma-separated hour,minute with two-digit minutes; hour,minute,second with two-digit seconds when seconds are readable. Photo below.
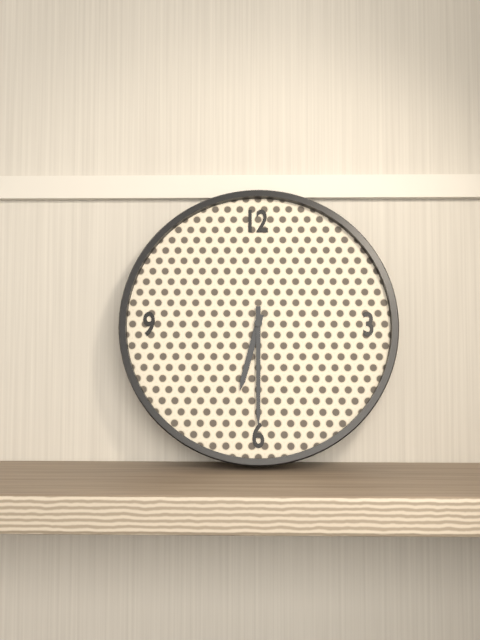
6,30
